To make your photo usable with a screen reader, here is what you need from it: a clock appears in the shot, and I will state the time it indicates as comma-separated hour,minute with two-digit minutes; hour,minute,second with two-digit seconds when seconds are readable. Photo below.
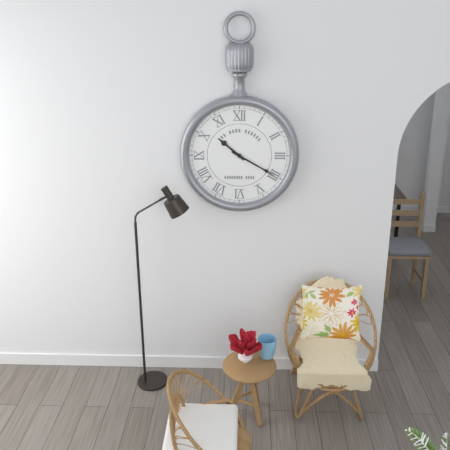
10,20
